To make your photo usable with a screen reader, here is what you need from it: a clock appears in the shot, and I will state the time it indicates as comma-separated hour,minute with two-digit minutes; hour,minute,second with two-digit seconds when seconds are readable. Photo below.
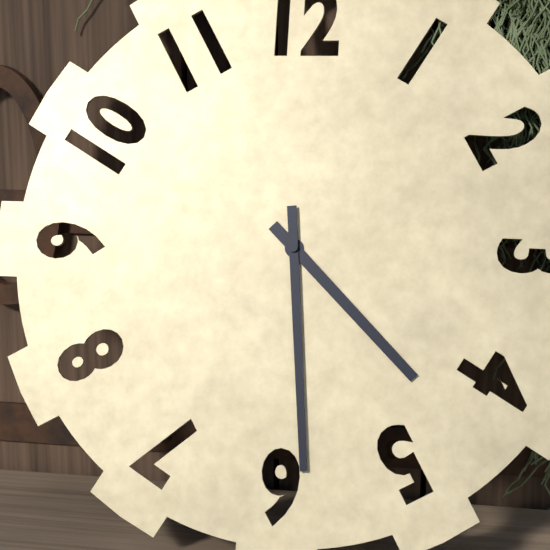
4,29
